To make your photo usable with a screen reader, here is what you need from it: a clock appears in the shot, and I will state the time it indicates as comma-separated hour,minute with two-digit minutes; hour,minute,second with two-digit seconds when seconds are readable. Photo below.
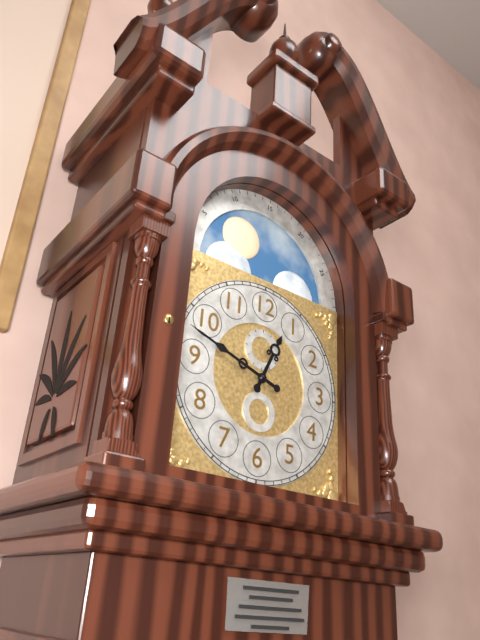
12,48
